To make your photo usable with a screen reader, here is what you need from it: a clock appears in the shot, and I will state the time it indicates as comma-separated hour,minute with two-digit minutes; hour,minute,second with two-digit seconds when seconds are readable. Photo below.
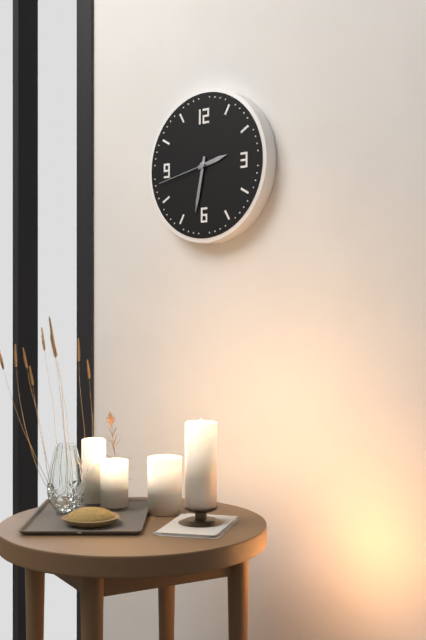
2,32,43
